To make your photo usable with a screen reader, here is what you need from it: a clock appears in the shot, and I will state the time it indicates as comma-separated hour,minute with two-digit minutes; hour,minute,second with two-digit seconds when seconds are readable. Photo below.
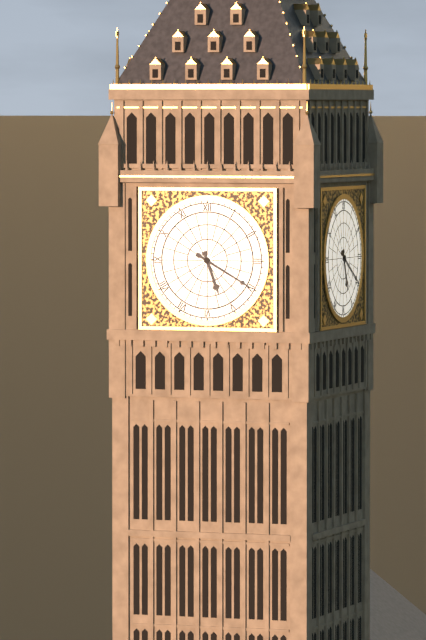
5,20
